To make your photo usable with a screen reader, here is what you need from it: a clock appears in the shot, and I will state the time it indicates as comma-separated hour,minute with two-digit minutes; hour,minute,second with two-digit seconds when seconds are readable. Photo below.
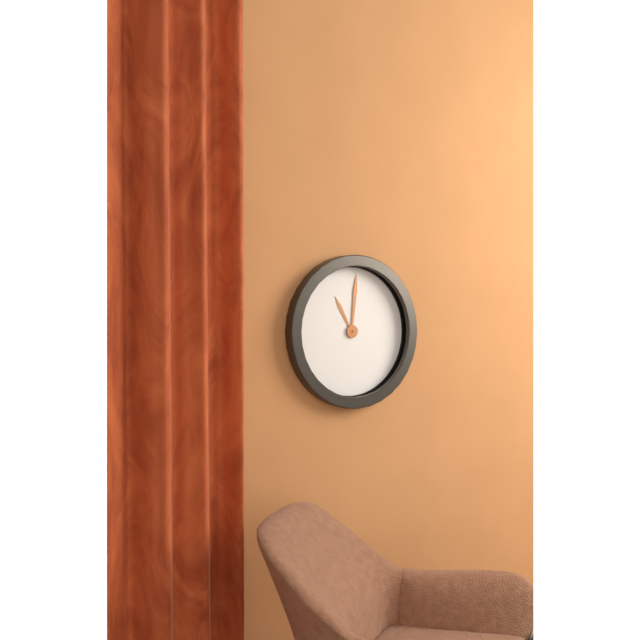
11,01
